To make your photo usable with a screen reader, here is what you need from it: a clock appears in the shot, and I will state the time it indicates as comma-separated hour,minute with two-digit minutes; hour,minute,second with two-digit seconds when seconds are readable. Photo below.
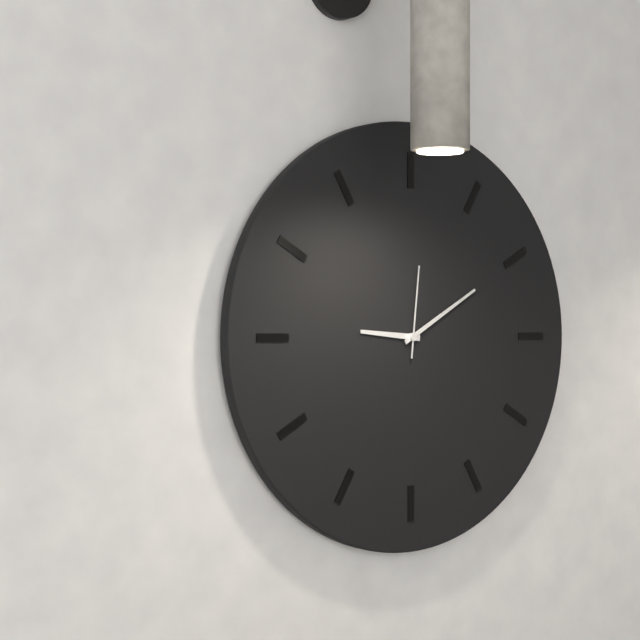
9,10,01
